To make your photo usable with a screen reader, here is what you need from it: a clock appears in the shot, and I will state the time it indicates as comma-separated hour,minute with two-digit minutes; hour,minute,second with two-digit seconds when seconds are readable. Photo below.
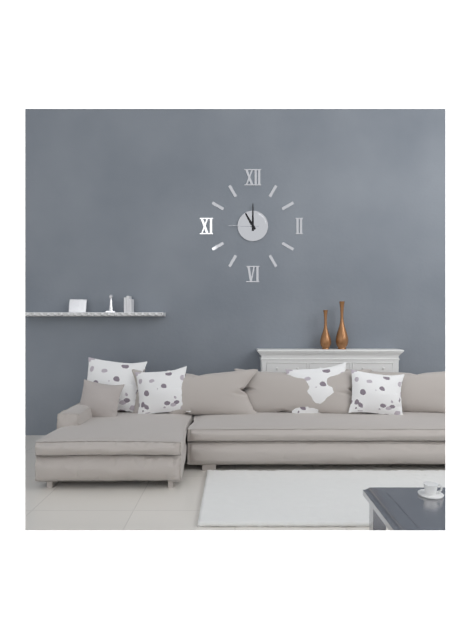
11,00
